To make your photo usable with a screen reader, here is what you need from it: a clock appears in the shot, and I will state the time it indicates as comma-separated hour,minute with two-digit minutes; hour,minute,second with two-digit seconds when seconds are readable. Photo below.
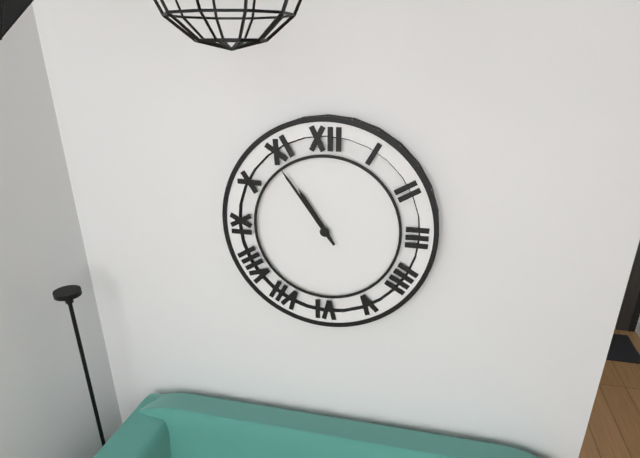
10,54
